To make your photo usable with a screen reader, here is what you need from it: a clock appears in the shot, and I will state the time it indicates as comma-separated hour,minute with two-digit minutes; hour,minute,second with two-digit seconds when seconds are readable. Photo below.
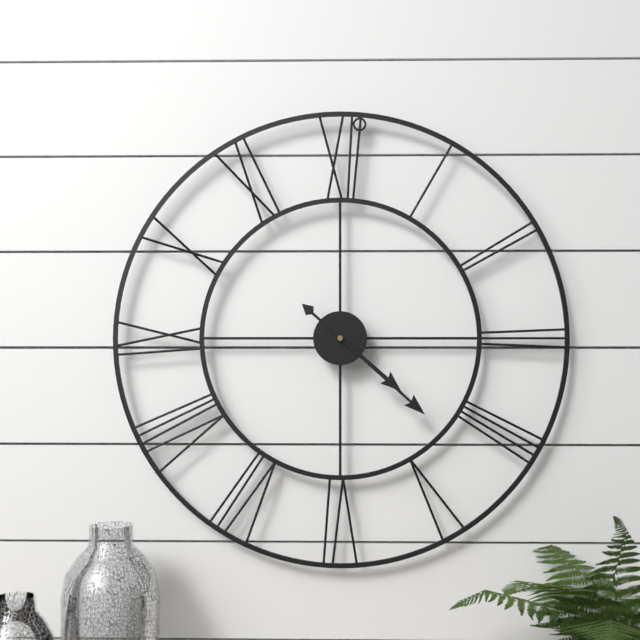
4,22
